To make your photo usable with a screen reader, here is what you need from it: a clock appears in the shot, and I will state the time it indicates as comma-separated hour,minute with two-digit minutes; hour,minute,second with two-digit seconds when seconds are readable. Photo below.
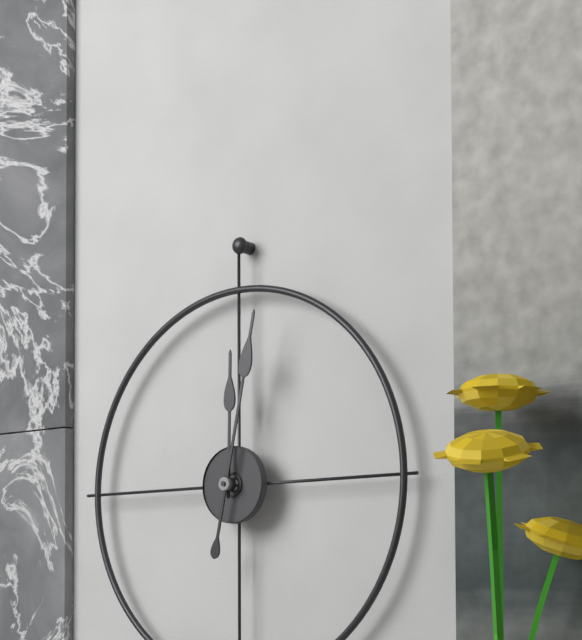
12,02
